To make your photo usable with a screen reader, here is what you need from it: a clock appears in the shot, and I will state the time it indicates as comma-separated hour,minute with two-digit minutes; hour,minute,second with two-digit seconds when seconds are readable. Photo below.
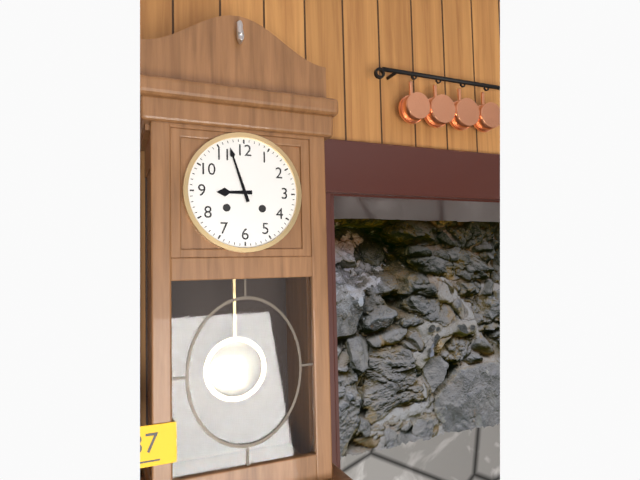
8,57
